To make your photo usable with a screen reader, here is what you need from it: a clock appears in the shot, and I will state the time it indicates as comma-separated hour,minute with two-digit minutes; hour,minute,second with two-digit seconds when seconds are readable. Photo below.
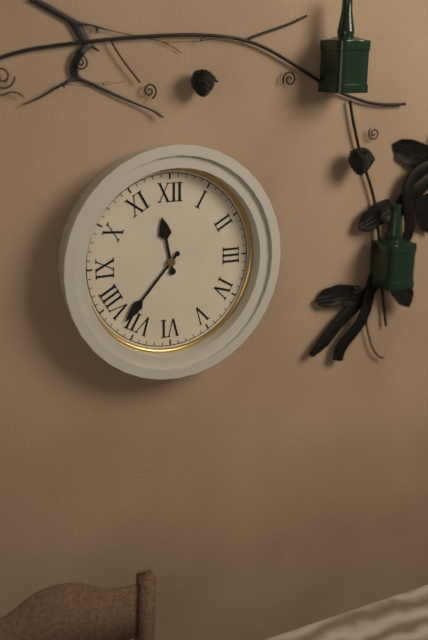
11,37
